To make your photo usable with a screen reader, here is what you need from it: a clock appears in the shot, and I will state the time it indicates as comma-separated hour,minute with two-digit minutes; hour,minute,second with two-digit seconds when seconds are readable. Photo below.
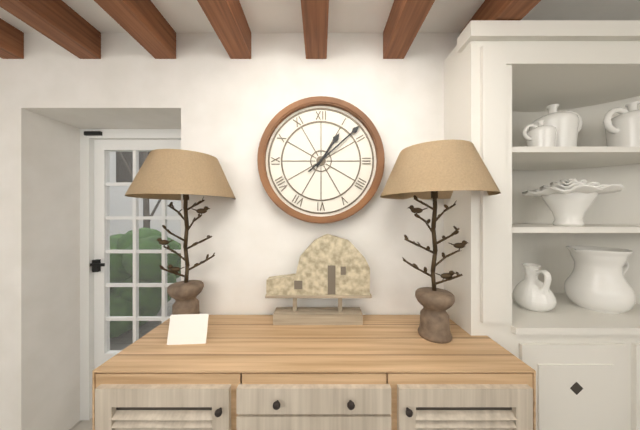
1,08
